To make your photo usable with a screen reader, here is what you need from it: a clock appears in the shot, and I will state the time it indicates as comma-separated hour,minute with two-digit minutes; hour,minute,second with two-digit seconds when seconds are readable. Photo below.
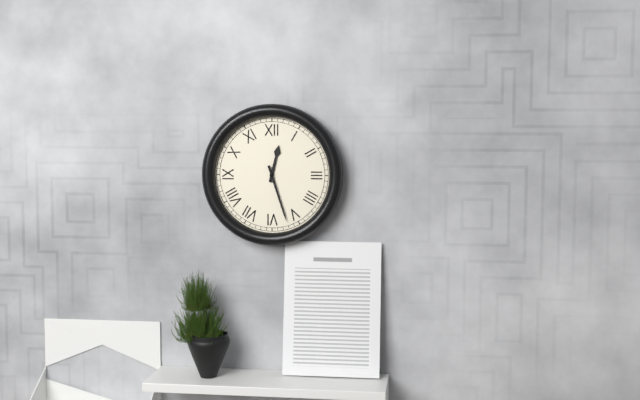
12,27
